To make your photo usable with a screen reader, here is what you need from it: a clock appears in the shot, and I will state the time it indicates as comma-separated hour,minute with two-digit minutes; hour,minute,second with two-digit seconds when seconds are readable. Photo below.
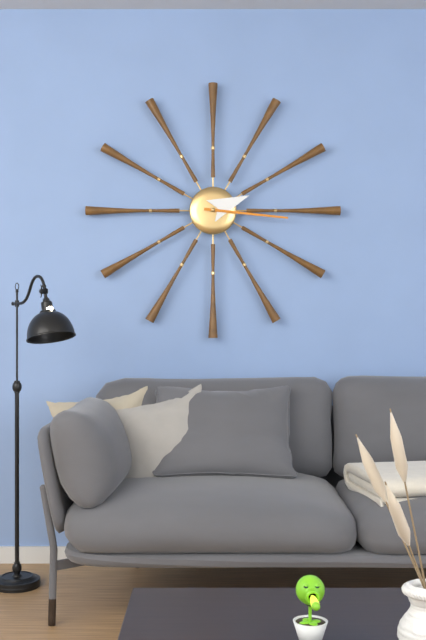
2,16
